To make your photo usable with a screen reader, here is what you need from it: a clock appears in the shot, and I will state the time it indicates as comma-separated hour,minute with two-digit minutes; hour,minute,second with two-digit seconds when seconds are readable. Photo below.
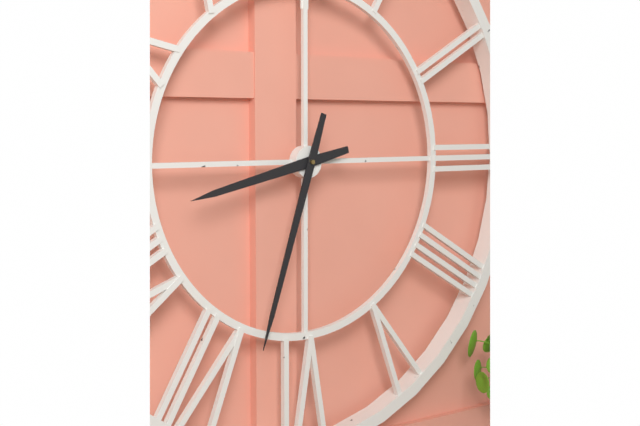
8,33
